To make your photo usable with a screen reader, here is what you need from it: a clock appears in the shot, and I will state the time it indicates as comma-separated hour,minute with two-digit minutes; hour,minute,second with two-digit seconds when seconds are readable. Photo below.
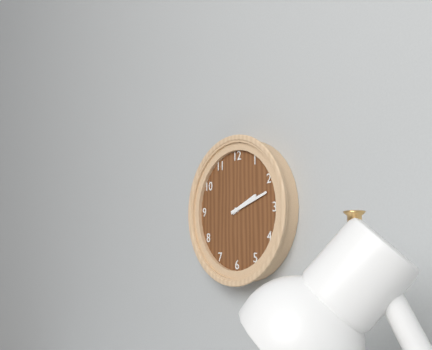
2,12
